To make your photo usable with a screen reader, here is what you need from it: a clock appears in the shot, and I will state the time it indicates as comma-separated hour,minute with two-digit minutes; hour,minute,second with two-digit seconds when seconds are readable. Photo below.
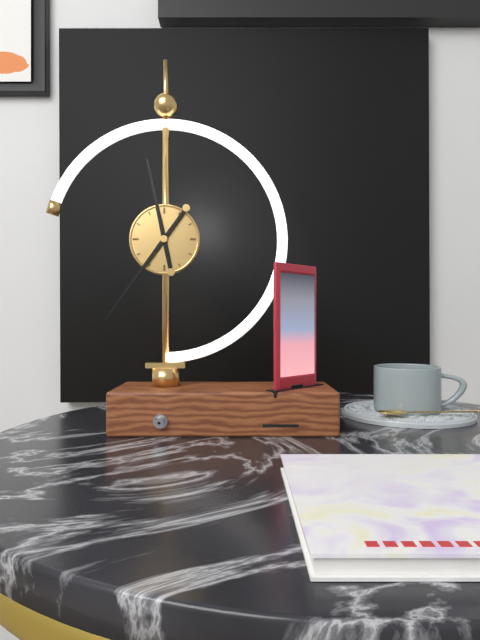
11,36
